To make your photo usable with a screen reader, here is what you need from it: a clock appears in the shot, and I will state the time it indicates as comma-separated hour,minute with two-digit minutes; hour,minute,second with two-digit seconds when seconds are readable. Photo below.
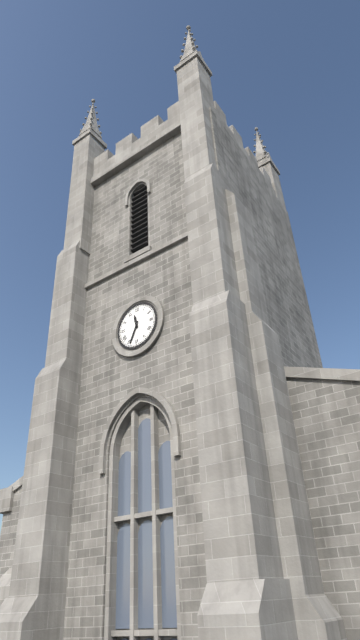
11,34
